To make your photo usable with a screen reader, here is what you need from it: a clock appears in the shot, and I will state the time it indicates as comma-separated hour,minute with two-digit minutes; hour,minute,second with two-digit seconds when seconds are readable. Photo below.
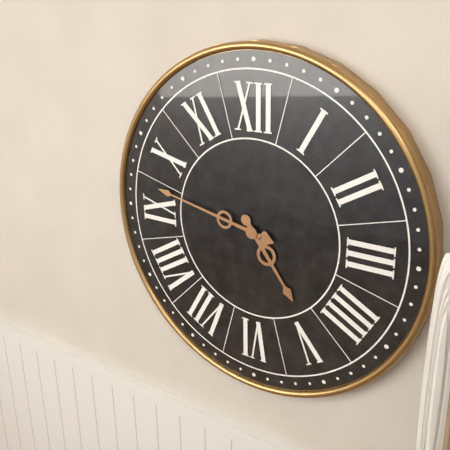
4,47
